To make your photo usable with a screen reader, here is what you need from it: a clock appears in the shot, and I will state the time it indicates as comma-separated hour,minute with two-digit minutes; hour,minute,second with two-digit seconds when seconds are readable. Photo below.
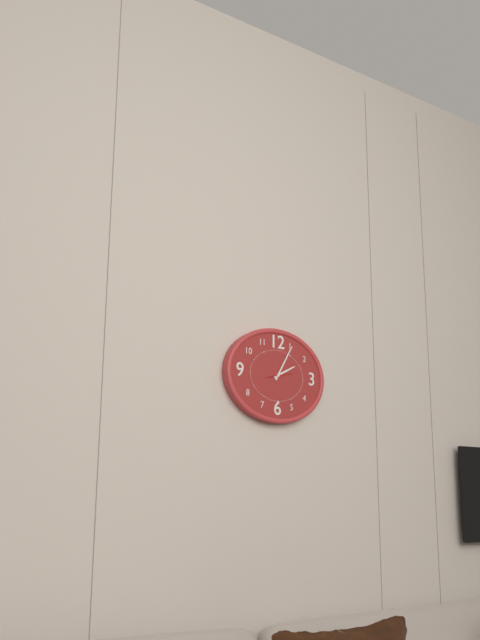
2,05
